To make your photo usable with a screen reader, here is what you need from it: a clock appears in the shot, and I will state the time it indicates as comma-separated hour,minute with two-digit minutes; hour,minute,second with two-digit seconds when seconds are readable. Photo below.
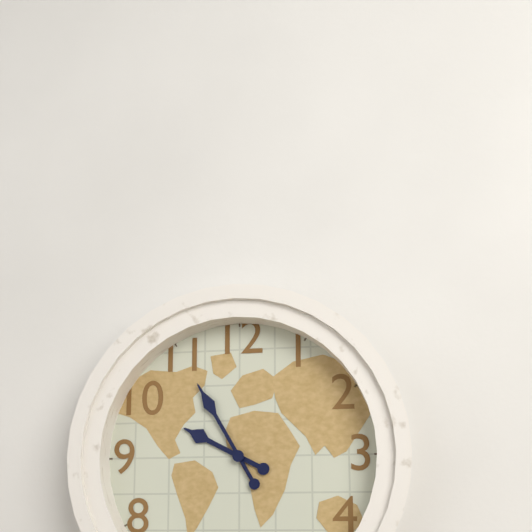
9,55
